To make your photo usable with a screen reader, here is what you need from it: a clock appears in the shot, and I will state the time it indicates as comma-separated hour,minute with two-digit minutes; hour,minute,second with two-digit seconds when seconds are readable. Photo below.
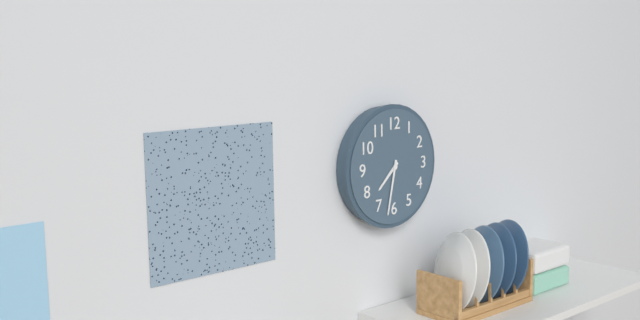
7,32
